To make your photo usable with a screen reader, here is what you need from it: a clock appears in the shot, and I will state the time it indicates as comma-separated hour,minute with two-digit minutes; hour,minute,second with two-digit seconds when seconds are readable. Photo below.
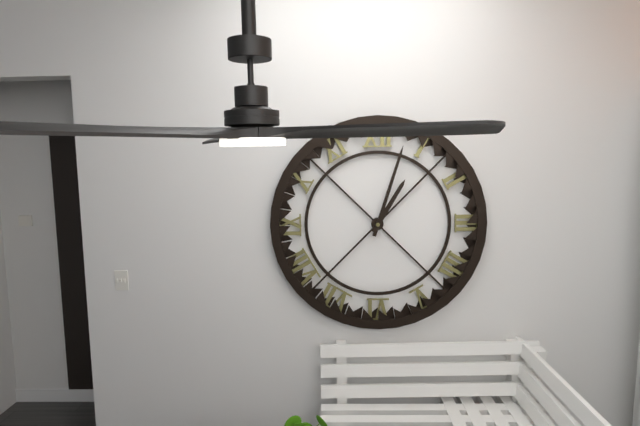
1,03
